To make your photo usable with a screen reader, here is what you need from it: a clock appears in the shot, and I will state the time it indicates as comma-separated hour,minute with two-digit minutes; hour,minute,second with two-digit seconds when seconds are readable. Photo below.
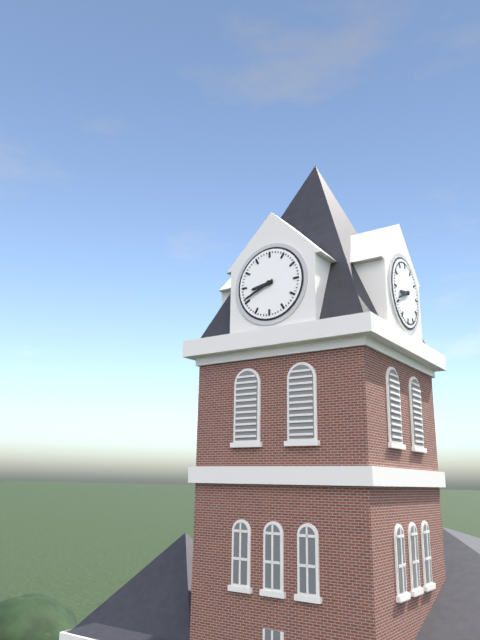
8,41
